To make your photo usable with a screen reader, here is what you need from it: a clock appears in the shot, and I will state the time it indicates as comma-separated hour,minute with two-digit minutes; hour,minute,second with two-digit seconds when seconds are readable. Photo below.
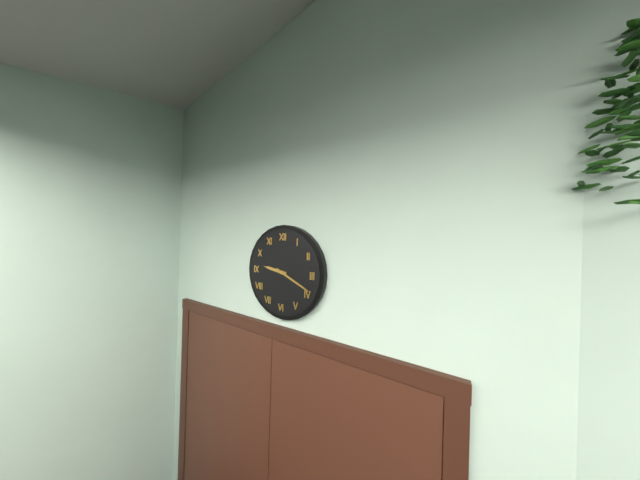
9,19
